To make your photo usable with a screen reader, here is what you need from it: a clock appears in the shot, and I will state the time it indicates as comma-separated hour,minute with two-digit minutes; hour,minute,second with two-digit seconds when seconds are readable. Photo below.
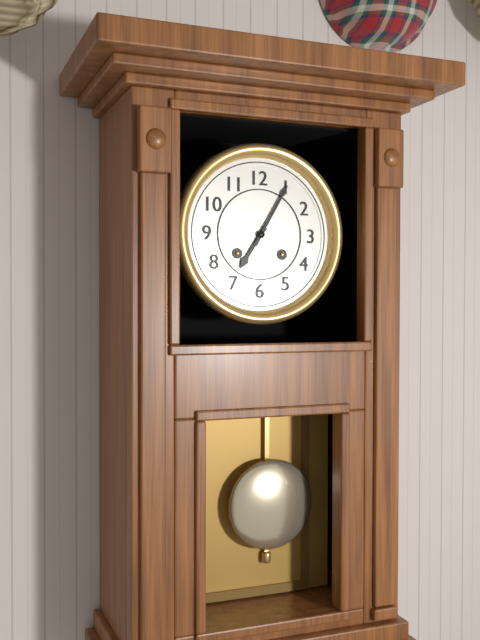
7,05
